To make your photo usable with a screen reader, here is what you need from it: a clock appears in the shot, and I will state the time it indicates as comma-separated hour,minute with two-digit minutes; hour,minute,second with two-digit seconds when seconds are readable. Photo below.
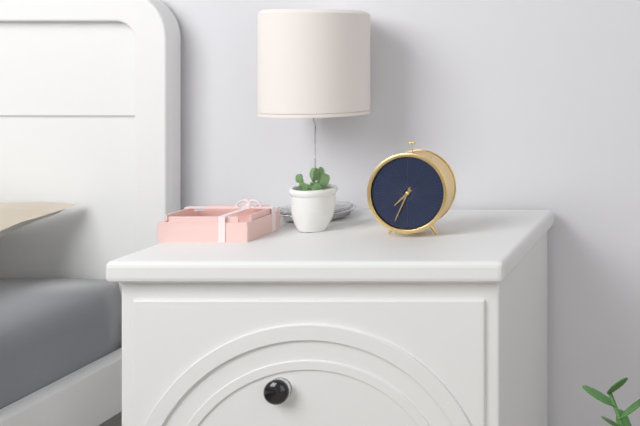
7,34
